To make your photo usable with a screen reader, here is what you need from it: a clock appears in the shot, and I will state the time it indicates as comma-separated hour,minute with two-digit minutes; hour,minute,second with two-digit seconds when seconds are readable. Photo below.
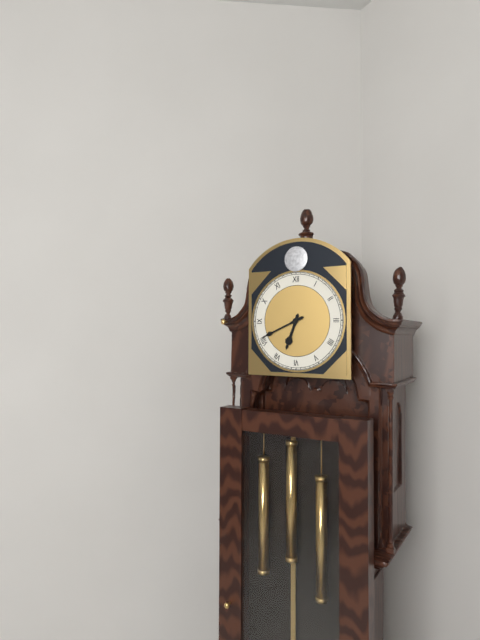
6,41
